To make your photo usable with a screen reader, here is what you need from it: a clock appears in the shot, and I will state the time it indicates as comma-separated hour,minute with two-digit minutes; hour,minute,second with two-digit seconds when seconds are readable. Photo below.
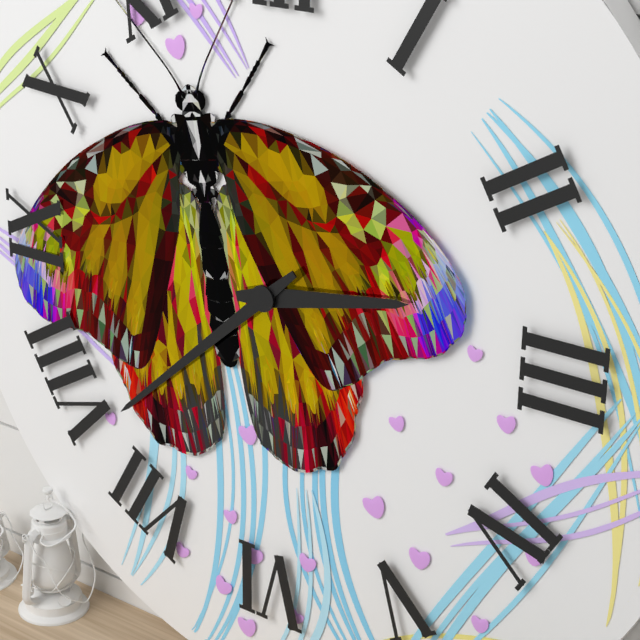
2,38
